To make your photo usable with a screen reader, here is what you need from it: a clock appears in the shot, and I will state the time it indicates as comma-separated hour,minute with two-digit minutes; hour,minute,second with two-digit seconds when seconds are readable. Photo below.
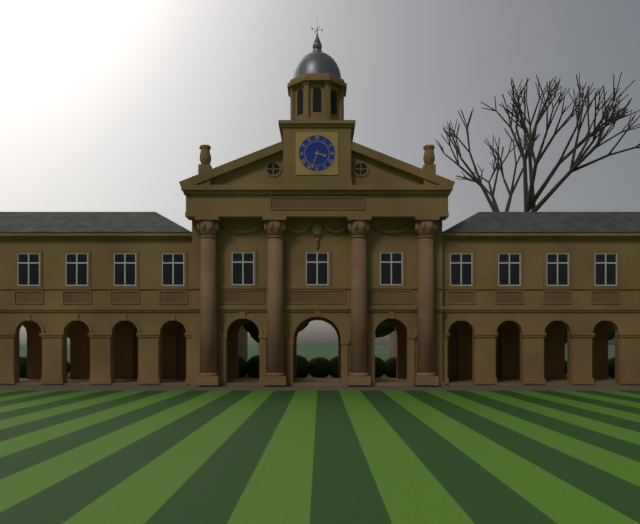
3,33
